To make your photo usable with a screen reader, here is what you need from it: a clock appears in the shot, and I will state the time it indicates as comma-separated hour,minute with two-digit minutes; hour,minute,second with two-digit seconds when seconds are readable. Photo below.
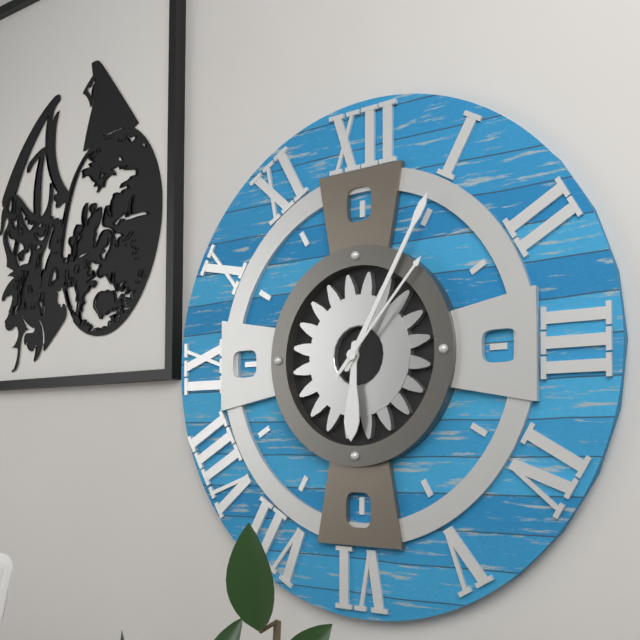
6,05,07
